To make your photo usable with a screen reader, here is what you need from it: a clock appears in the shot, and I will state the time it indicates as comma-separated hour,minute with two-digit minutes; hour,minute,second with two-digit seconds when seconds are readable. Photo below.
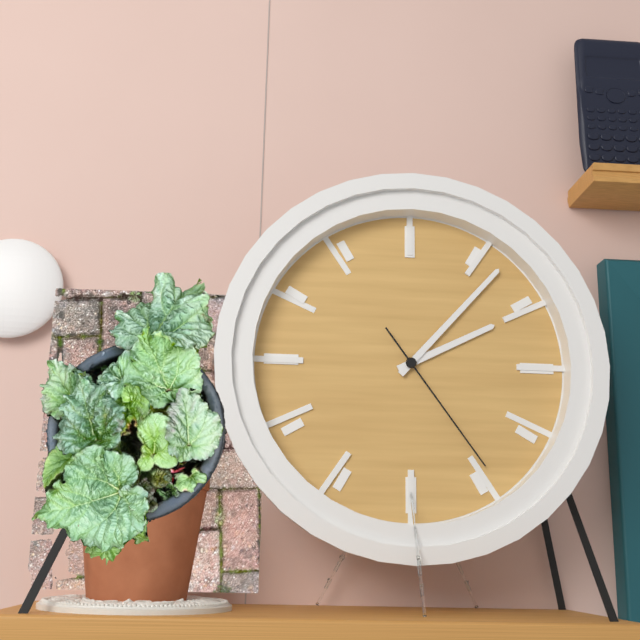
2,07,24
